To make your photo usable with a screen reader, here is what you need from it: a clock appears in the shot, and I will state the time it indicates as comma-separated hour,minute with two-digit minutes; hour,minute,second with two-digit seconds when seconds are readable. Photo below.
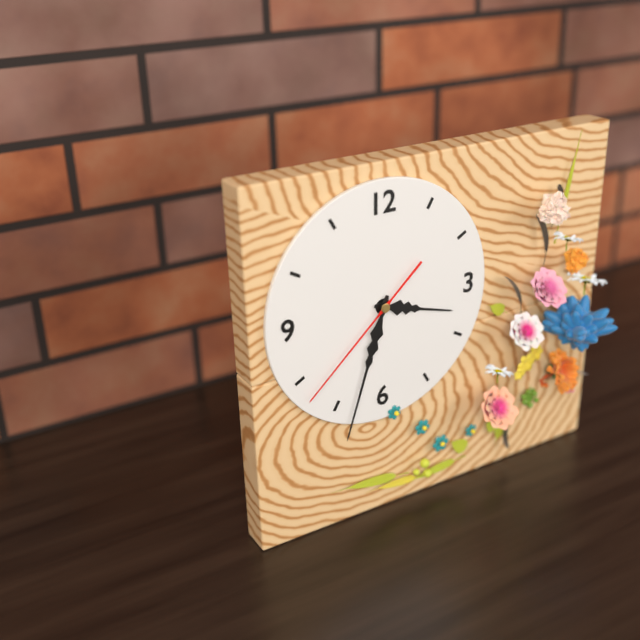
3,33,38
